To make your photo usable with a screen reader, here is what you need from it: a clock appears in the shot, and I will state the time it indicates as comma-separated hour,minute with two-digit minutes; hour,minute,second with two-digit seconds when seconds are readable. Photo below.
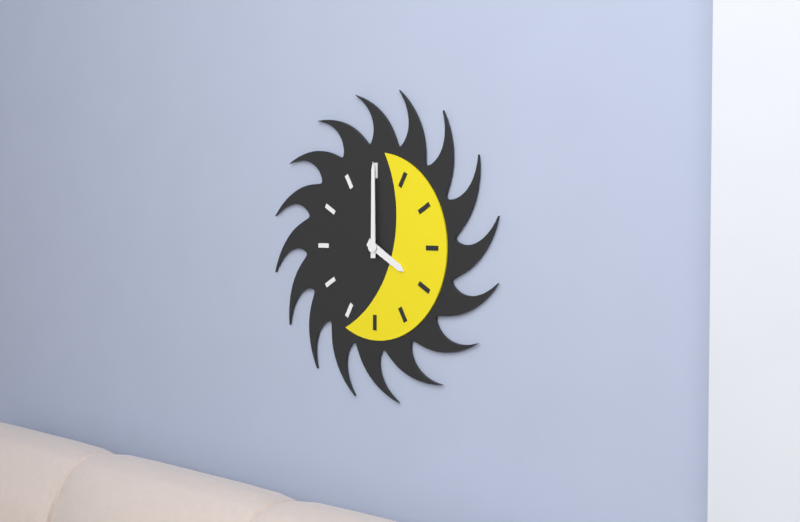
4,00
